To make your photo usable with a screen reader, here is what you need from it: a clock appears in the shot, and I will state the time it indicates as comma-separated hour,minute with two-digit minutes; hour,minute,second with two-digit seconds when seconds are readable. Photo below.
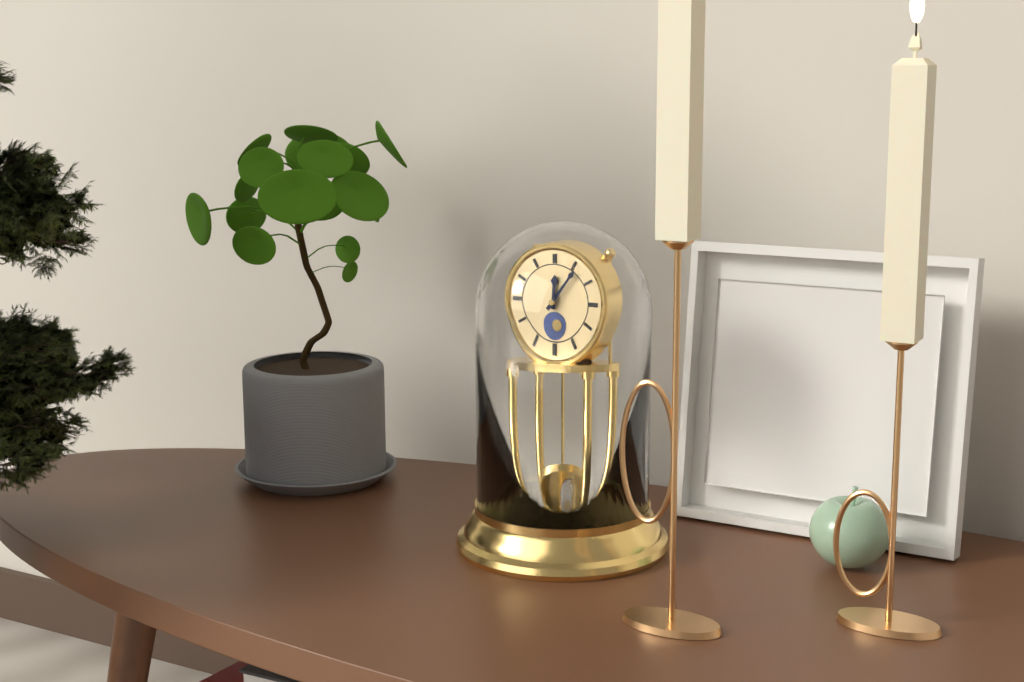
12,06
